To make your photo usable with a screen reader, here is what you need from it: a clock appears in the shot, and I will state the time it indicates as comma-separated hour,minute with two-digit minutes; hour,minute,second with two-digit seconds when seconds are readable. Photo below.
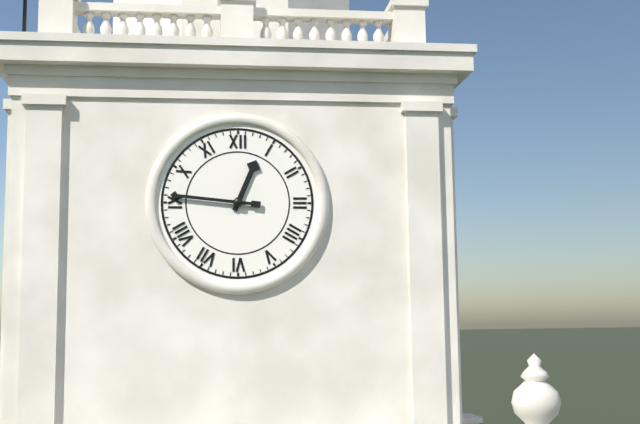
12,46
